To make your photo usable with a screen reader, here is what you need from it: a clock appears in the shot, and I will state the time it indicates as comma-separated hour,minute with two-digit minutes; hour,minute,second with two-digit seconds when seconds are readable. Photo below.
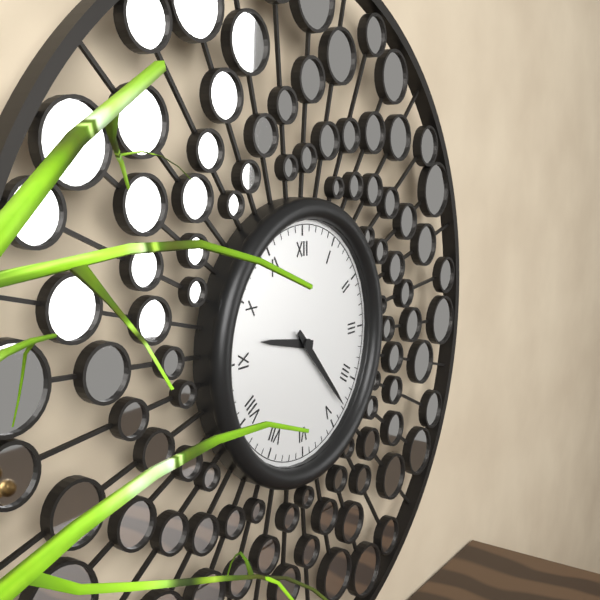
9,23
